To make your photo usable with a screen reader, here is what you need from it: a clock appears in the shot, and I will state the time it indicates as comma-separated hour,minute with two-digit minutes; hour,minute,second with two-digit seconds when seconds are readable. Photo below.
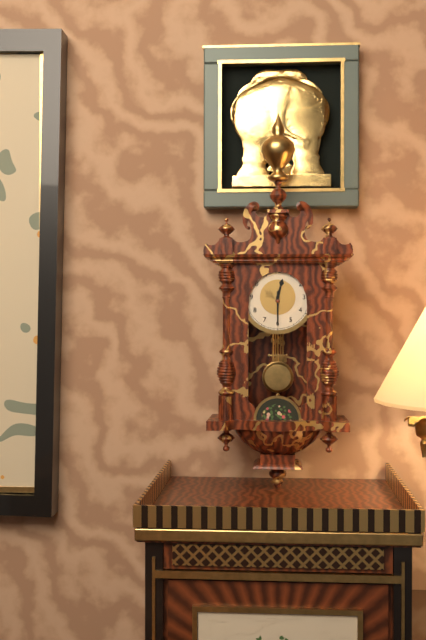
12,30
